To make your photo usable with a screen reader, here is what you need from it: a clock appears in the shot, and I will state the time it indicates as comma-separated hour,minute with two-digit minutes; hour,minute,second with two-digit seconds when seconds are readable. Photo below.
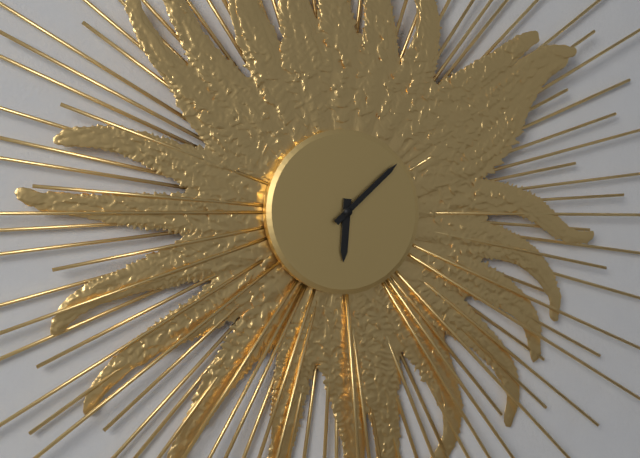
6,08
